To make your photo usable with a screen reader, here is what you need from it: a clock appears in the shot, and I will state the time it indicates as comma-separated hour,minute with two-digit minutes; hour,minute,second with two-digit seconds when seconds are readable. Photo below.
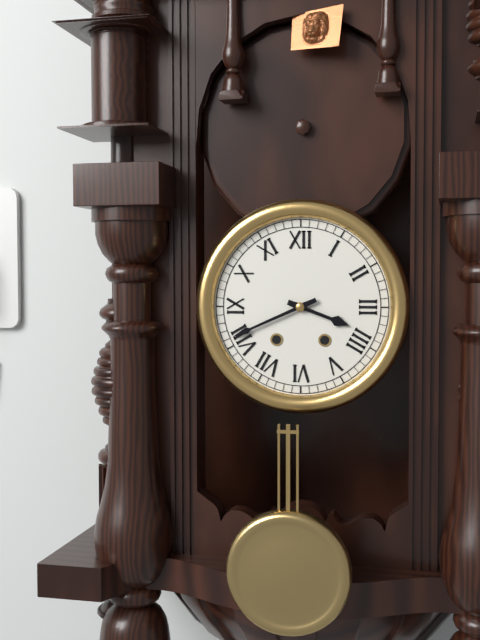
3,41
